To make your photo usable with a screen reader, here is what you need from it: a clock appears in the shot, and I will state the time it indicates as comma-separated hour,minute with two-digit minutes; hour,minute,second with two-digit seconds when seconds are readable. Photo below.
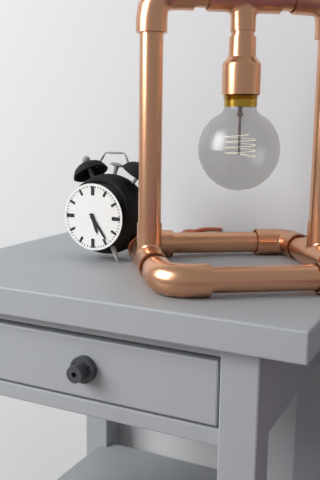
5,24
